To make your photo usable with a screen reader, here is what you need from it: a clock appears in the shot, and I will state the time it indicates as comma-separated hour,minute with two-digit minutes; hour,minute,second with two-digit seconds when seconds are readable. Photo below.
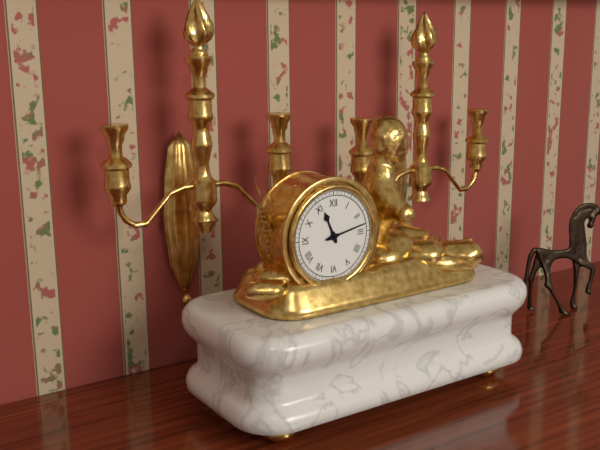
11,13
